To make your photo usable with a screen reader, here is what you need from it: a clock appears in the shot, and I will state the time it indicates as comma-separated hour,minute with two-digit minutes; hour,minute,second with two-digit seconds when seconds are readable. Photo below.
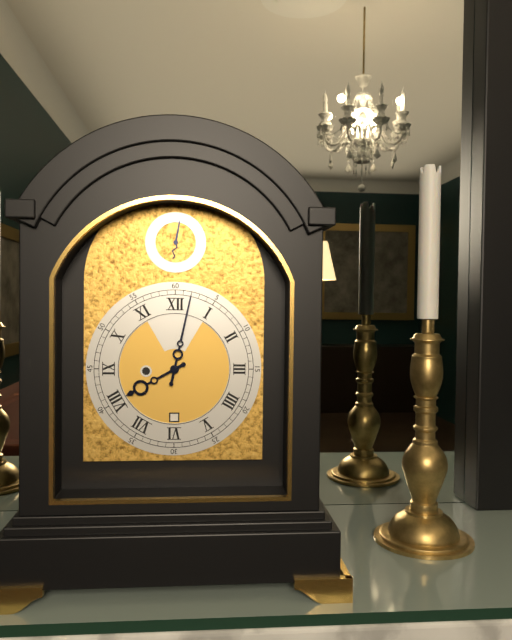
8,02
